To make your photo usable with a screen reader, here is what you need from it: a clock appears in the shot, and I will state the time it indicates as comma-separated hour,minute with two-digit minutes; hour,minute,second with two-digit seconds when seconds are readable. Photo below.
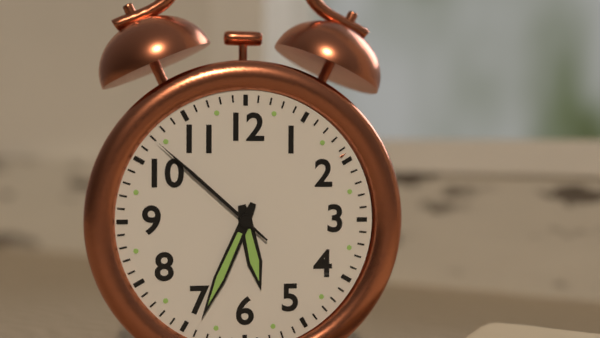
5,34,52
